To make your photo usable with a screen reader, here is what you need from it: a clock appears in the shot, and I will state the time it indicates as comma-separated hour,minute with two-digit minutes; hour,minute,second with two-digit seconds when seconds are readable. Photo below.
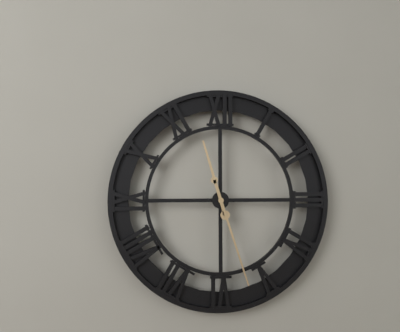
11,27
